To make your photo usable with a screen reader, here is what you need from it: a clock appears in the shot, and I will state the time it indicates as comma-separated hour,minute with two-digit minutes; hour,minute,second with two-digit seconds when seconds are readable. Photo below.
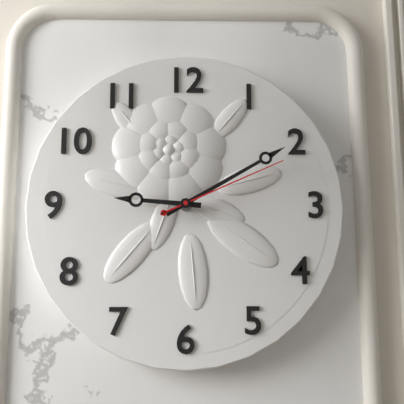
9,10,11
